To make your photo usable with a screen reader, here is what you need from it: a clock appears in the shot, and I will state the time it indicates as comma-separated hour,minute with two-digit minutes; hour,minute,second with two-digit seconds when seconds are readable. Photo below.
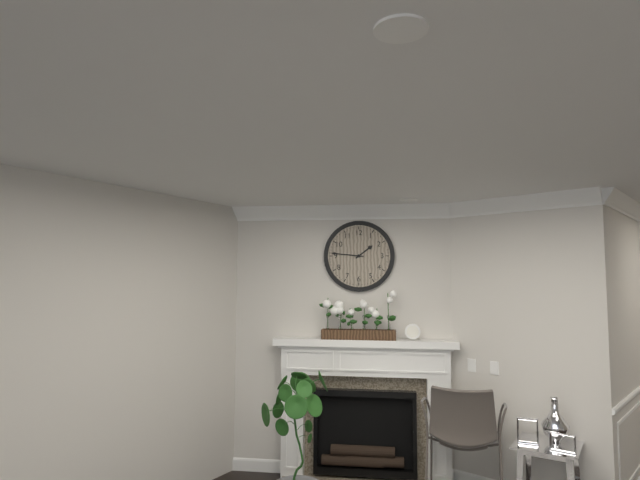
1,46
